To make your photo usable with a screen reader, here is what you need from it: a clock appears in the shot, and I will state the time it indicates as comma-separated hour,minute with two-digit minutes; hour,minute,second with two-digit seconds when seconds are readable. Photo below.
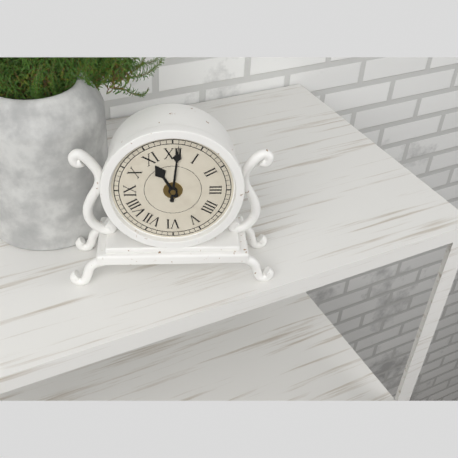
11,01
